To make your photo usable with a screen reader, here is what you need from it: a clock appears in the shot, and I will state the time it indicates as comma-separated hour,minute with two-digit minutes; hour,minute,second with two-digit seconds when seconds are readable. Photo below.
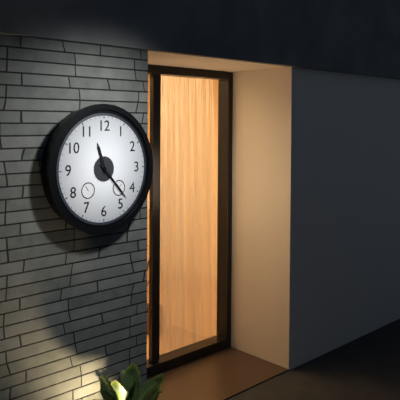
11,23
